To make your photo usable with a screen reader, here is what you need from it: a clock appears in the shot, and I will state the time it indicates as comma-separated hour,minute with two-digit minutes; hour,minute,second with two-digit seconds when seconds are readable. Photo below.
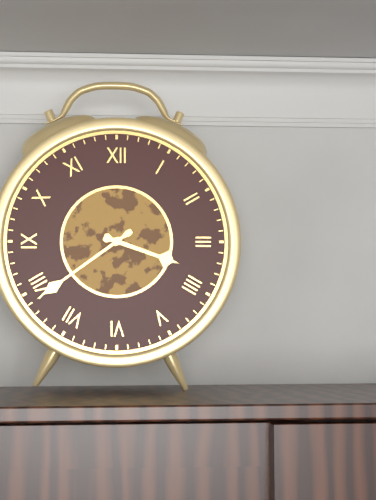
3,39
